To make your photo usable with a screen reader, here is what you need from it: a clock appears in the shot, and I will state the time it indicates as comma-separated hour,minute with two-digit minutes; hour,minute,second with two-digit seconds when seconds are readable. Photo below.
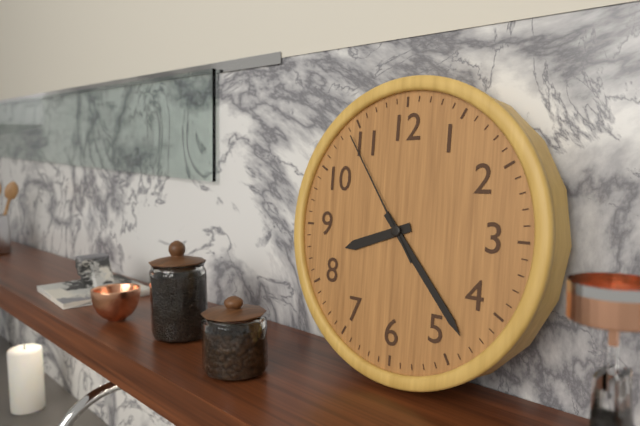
8,23,54
